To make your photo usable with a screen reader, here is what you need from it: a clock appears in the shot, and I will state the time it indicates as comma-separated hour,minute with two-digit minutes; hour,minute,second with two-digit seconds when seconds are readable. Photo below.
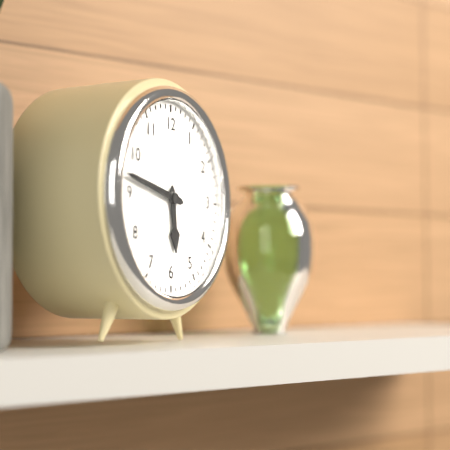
5,47
